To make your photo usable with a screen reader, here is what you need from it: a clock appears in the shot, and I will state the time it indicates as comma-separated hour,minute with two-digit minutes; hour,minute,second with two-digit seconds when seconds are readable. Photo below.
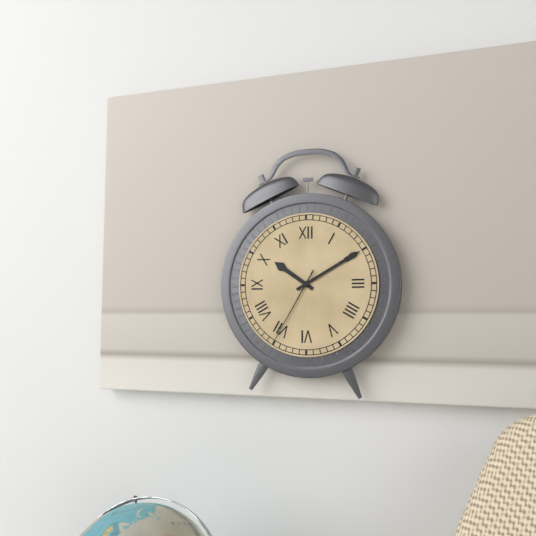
10,10,35
